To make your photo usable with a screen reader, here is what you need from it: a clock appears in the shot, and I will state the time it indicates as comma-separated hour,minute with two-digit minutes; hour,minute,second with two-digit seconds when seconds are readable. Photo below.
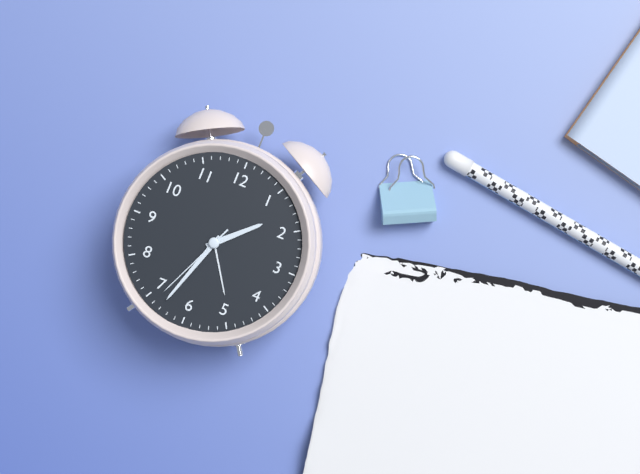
1,33,34
